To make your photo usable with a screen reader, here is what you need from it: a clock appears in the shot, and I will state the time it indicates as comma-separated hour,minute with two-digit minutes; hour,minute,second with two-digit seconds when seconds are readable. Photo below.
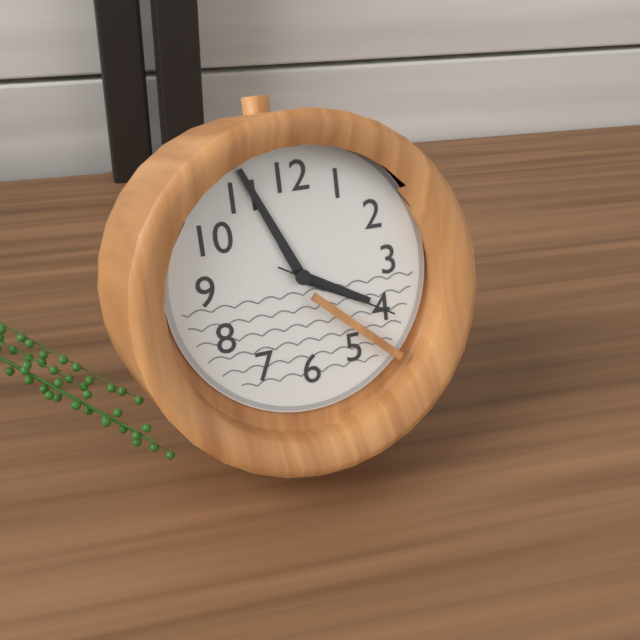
3,56,20
